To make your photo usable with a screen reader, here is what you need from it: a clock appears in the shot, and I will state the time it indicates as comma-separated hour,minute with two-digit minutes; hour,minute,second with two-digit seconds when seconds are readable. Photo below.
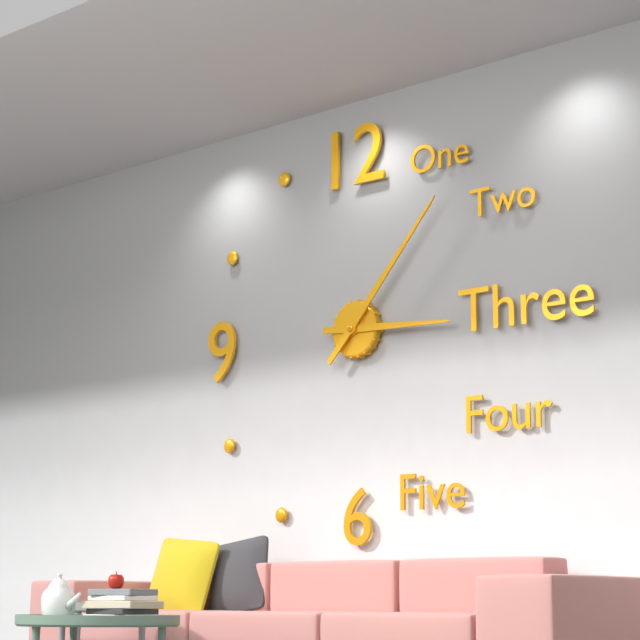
3,07
